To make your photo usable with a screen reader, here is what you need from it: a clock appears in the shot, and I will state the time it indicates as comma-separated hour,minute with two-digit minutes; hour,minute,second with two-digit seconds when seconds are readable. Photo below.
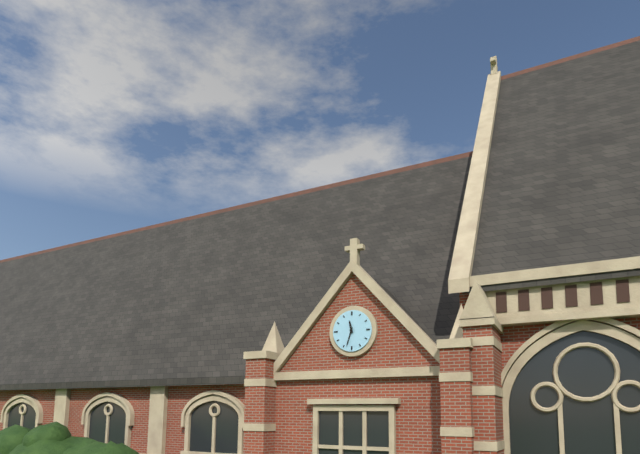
11,33
